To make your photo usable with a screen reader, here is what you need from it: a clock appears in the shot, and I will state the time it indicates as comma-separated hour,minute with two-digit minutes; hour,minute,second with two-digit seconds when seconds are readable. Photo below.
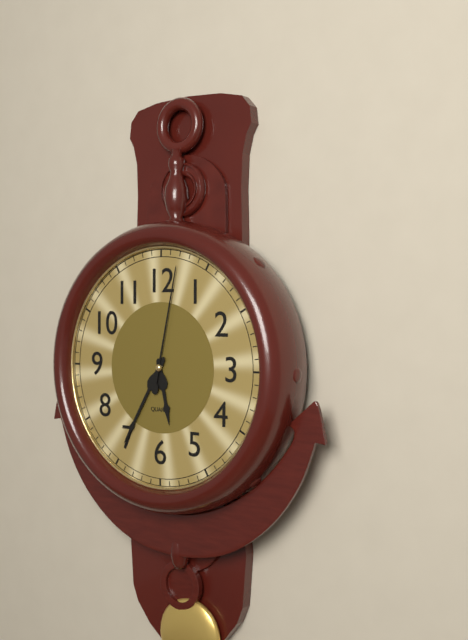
5,35,02
